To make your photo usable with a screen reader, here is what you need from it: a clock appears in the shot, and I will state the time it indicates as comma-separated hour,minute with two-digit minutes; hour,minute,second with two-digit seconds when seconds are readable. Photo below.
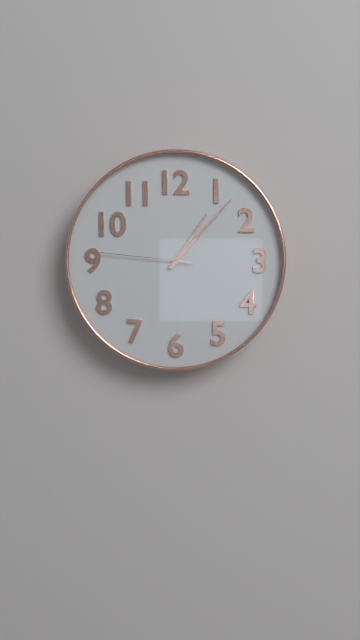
1,07,46
